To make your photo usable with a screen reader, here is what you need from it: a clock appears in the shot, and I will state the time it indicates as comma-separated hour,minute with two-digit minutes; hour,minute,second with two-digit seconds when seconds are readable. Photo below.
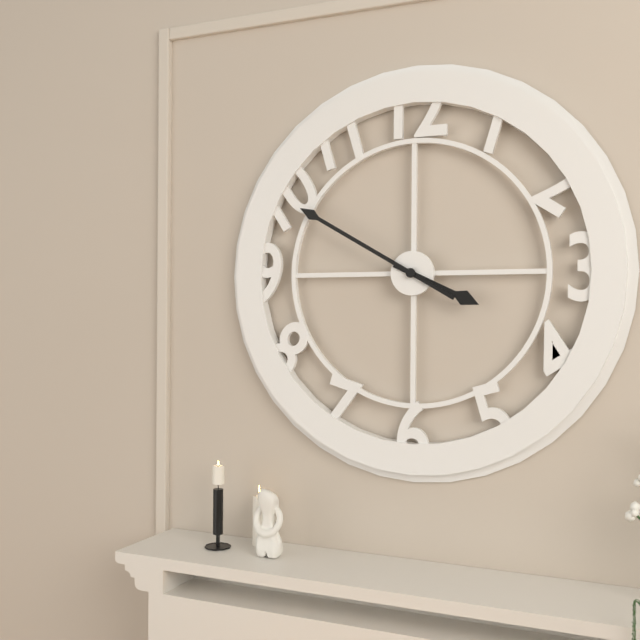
3,50
